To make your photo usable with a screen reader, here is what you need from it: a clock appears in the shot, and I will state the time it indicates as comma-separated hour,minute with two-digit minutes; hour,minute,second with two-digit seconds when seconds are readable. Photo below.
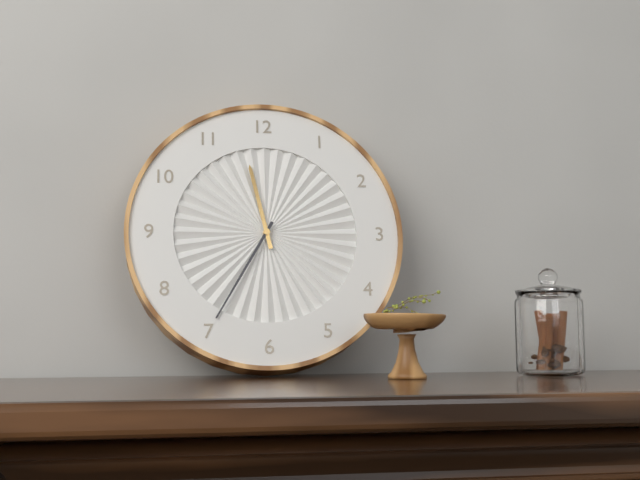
11,35
